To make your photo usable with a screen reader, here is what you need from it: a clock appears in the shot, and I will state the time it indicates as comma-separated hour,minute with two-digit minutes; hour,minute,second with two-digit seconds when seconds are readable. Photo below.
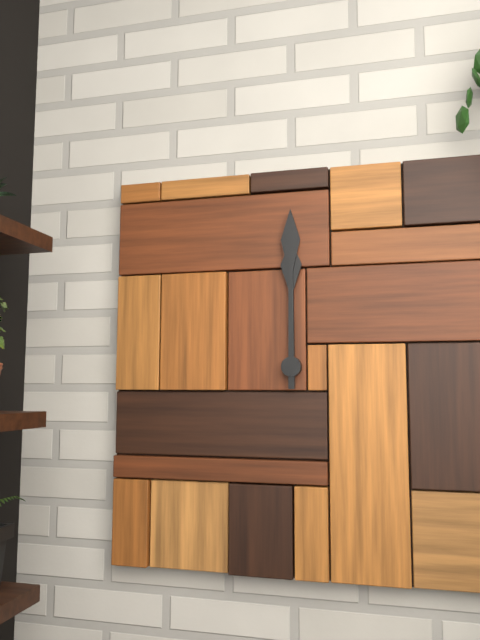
12,00
